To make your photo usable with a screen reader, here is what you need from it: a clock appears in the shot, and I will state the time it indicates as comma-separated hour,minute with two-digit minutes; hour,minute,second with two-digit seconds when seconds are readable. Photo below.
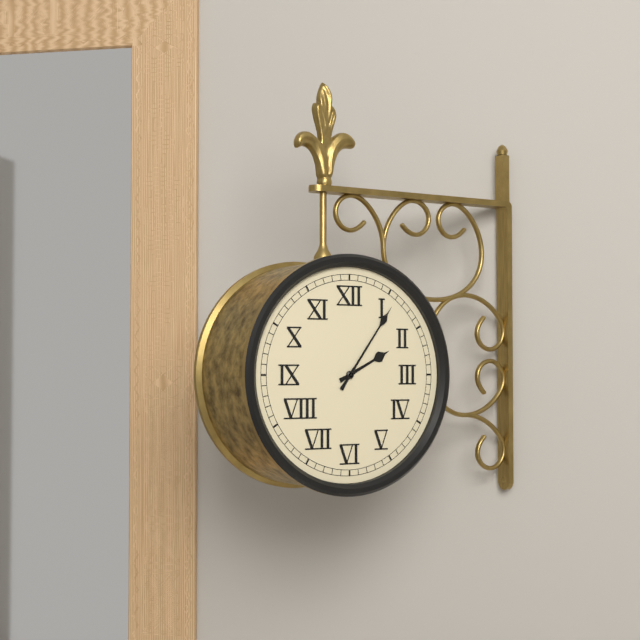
2,06
